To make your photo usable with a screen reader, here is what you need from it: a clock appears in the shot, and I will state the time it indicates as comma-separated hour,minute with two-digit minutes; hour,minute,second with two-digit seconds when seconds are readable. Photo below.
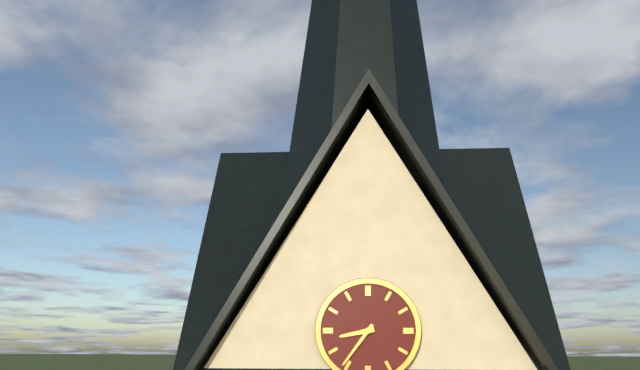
8,36
